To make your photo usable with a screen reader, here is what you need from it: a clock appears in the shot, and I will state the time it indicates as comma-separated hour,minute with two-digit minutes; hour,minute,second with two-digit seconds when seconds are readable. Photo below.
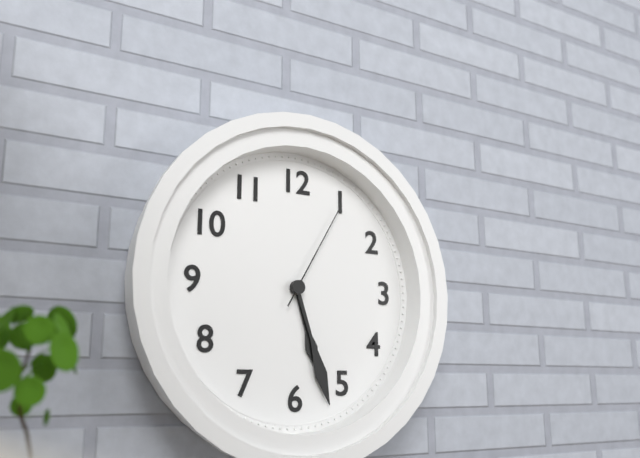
5,27,05
